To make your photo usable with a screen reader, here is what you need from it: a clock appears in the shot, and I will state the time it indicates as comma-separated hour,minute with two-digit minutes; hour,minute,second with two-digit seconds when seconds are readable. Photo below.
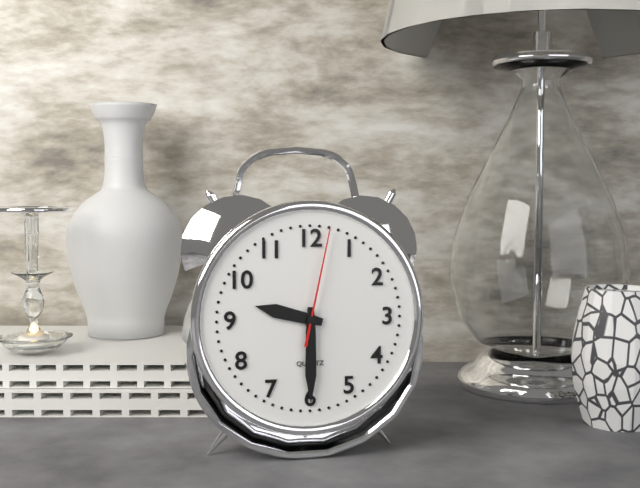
9,30,02
